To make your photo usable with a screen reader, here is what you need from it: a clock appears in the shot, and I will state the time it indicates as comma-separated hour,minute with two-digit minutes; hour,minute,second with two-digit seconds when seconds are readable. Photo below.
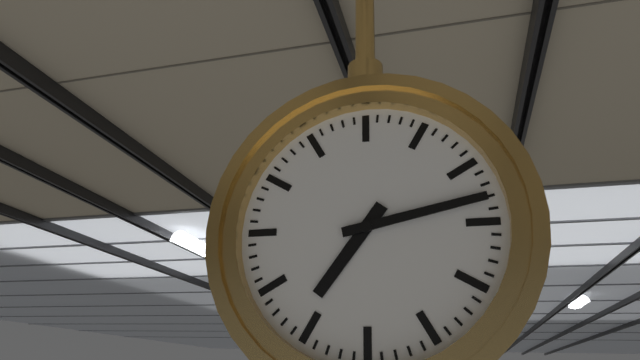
7,13
